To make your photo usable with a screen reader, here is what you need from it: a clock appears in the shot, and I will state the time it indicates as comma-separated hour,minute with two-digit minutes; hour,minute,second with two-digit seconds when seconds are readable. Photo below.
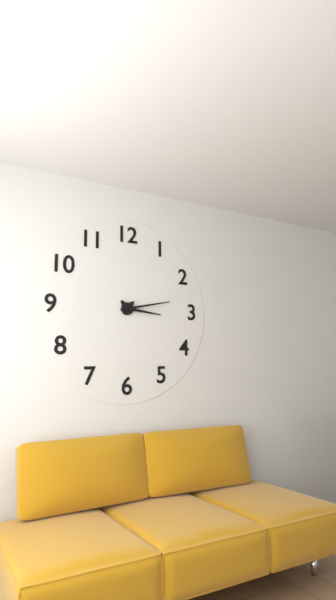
3,13
